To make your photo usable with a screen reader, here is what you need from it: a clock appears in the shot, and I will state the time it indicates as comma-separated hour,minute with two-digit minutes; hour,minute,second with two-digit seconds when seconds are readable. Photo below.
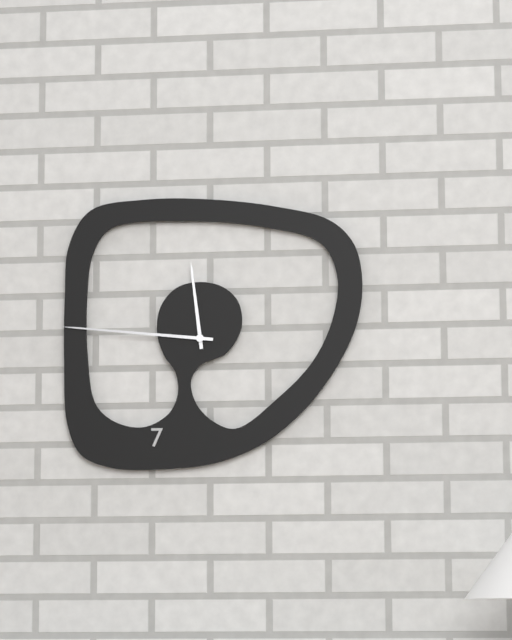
11,46
